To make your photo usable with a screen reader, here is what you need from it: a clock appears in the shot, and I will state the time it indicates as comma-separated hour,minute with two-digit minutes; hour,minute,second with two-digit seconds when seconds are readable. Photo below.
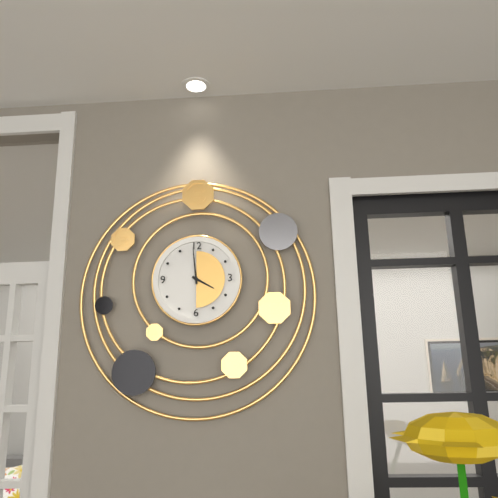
3,59
